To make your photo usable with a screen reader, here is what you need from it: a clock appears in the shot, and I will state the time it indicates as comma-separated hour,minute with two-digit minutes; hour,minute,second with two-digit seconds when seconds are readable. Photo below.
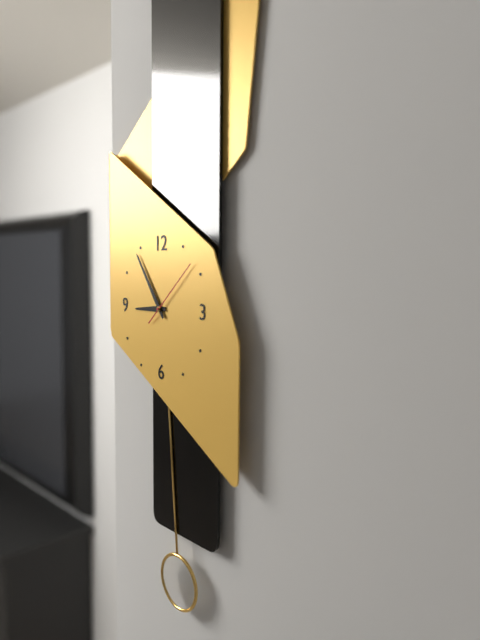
8,54,08
